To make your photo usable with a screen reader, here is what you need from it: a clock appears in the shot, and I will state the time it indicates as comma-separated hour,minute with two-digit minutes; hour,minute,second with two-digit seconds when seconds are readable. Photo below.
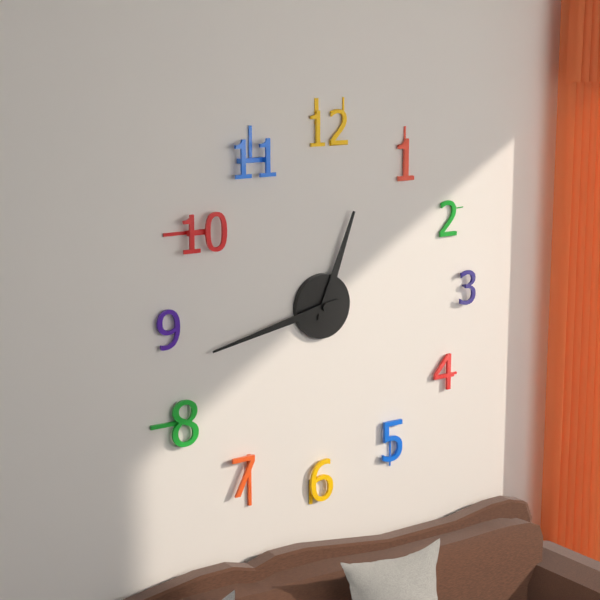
12,43
